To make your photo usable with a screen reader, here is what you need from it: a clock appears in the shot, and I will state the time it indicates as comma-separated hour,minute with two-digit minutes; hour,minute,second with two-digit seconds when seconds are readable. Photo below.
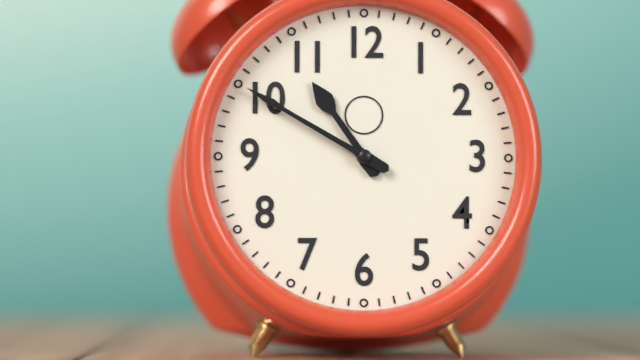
10,50
